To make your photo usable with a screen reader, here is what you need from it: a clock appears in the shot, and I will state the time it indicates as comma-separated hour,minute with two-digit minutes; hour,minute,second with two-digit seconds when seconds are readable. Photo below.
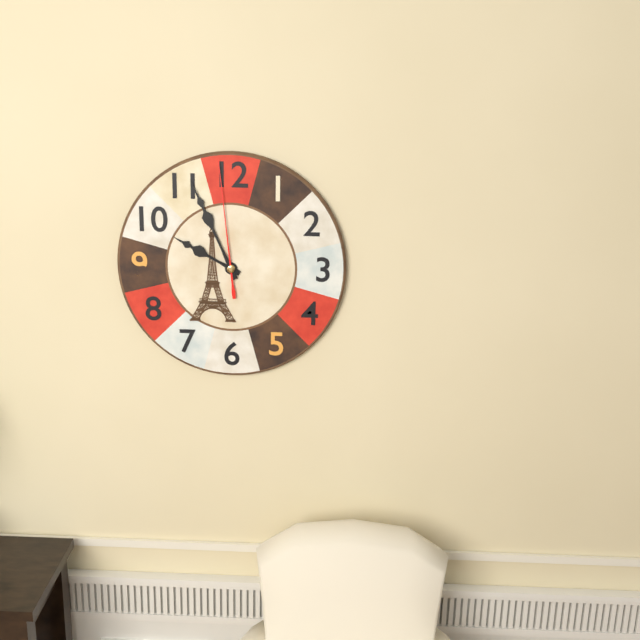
9,56,59
